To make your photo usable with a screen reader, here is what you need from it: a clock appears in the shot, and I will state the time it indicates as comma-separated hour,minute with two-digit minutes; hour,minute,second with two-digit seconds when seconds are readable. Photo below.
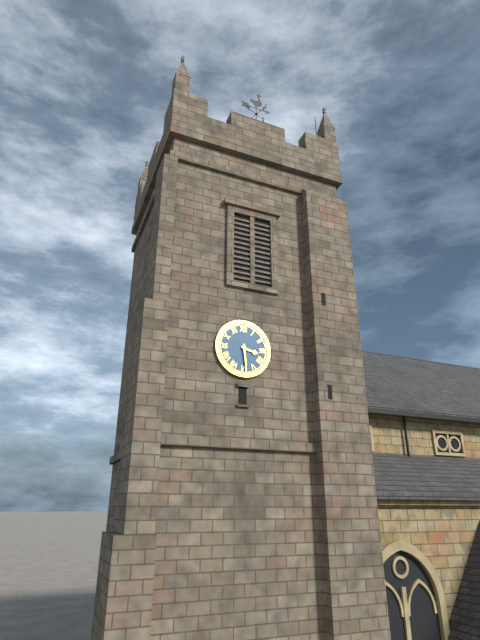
3,29
